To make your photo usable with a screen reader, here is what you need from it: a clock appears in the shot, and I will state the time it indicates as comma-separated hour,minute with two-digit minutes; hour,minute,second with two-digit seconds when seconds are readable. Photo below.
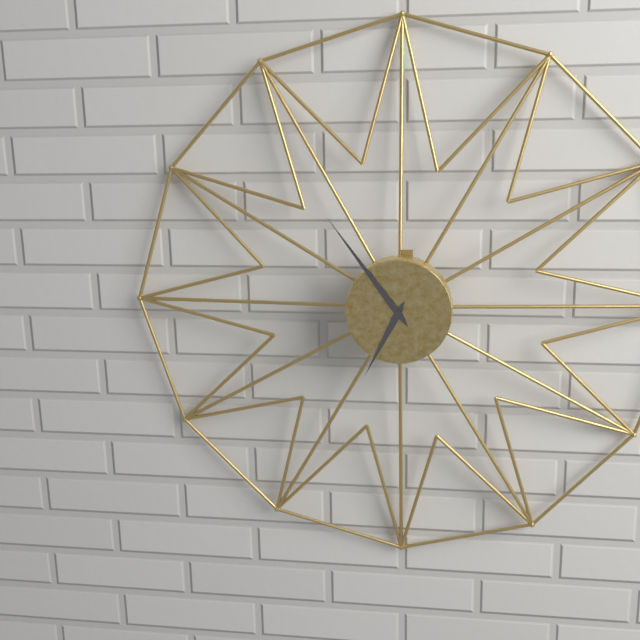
6,54
